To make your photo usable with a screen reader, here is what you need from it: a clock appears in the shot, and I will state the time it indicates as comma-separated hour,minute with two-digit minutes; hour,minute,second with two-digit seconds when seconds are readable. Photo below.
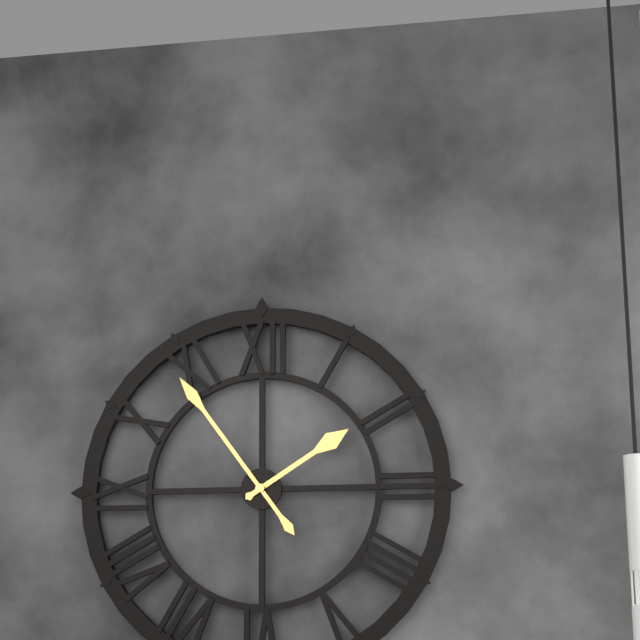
1,54
